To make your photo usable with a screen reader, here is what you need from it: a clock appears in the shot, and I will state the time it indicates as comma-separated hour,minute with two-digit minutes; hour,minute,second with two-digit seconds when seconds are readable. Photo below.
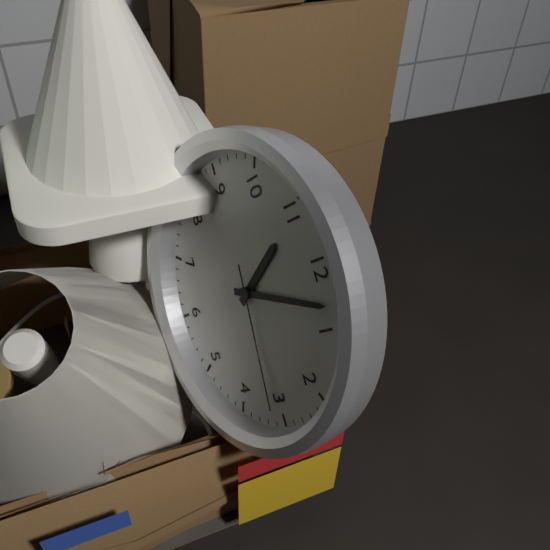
11,03,16
